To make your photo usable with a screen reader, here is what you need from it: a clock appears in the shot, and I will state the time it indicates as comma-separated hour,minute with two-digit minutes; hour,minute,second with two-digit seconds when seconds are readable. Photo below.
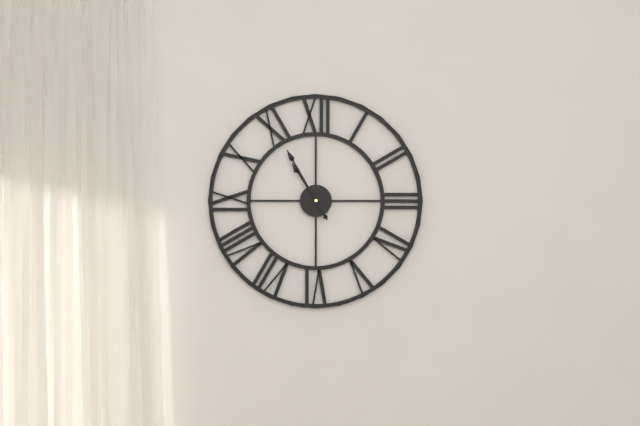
10,55
